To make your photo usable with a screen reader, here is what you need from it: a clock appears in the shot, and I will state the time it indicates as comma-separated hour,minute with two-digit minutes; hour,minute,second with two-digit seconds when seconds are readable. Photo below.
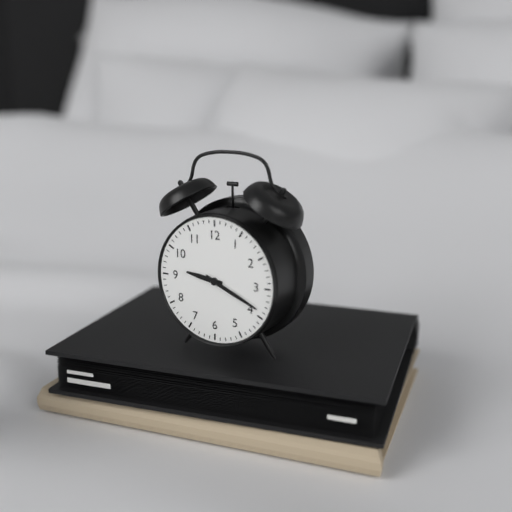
9,19
